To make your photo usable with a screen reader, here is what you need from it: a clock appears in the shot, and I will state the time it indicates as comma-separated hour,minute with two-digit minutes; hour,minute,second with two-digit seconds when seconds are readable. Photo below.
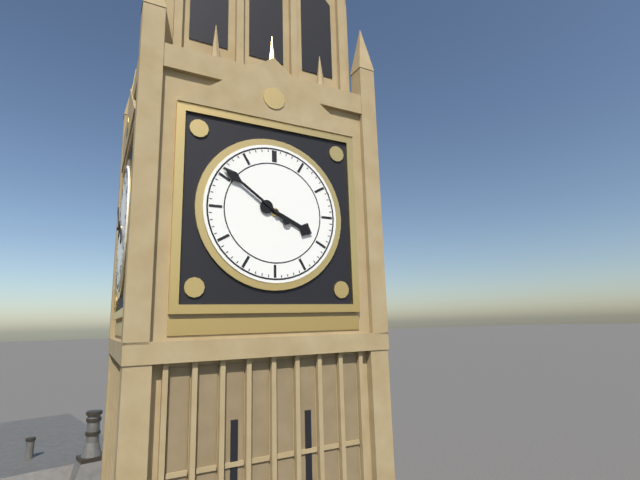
3,51
